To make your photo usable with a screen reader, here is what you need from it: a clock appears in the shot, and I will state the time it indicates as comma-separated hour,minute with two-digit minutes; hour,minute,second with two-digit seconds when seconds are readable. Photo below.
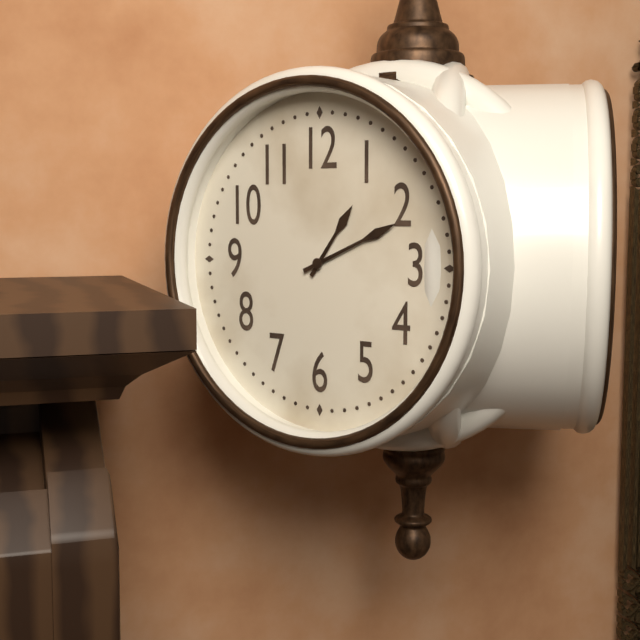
1,11
